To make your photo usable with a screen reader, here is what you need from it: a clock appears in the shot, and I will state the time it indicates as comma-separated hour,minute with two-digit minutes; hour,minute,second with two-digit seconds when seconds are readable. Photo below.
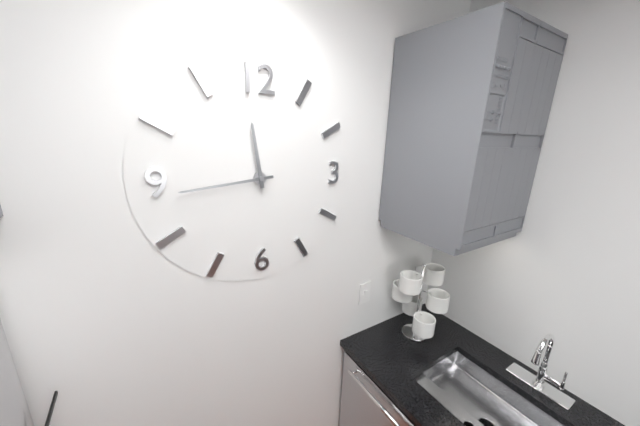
11,44
